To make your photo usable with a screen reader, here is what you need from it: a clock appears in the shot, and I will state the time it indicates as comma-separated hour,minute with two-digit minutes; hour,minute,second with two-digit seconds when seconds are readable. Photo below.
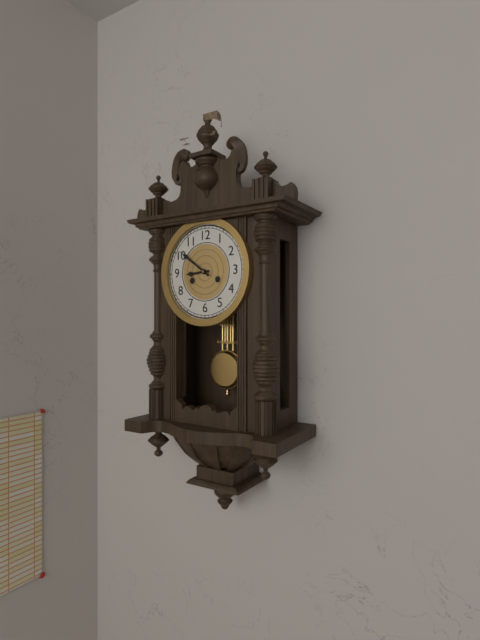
8,51
